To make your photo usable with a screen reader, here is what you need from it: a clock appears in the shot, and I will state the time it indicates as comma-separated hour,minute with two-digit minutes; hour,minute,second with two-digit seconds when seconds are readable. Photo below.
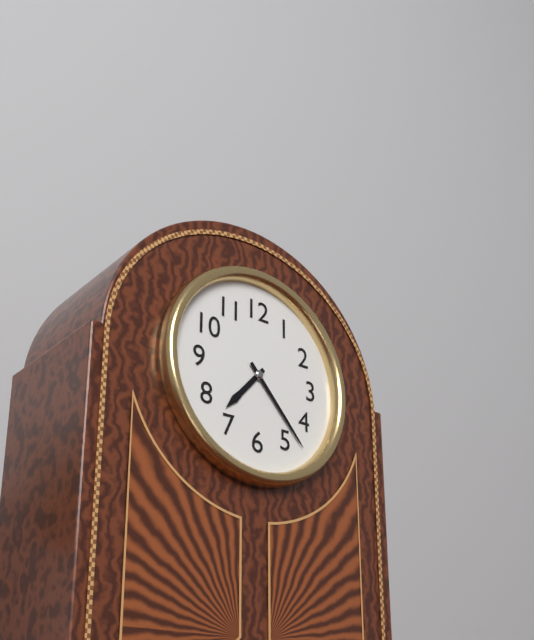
7,23
